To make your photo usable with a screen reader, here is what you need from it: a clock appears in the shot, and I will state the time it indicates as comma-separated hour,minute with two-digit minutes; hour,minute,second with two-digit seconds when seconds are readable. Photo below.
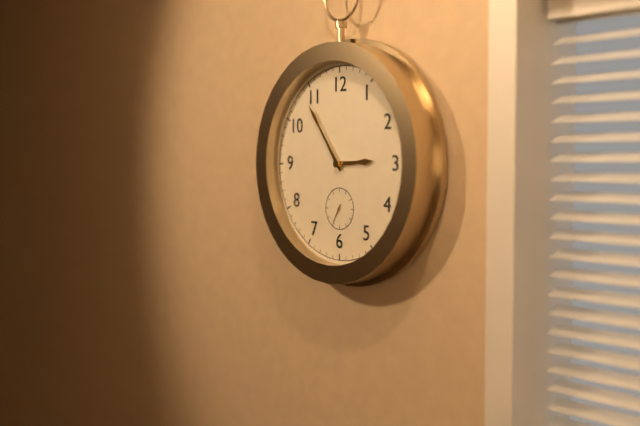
2,54
